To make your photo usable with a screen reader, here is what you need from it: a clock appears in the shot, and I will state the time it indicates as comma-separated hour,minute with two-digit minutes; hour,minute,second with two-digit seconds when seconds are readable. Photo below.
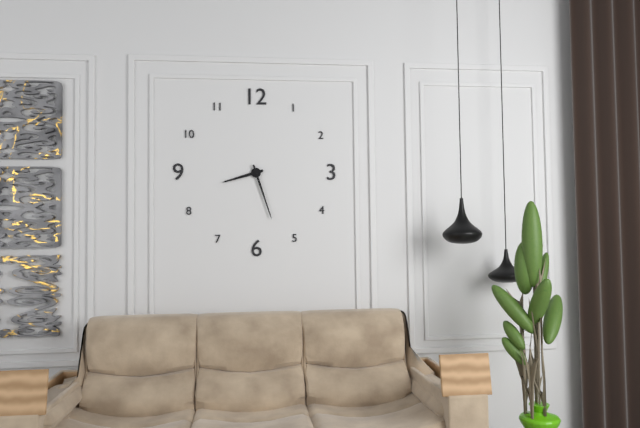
8,27
